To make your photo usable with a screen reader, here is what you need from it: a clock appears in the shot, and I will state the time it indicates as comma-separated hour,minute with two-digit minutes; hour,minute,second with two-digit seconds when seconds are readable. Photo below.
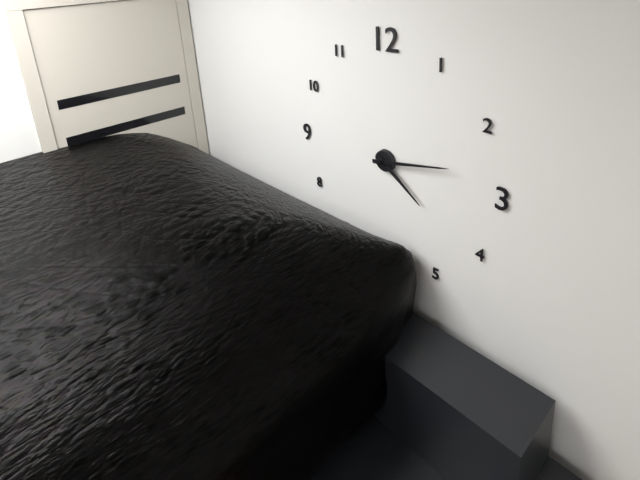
4,13
